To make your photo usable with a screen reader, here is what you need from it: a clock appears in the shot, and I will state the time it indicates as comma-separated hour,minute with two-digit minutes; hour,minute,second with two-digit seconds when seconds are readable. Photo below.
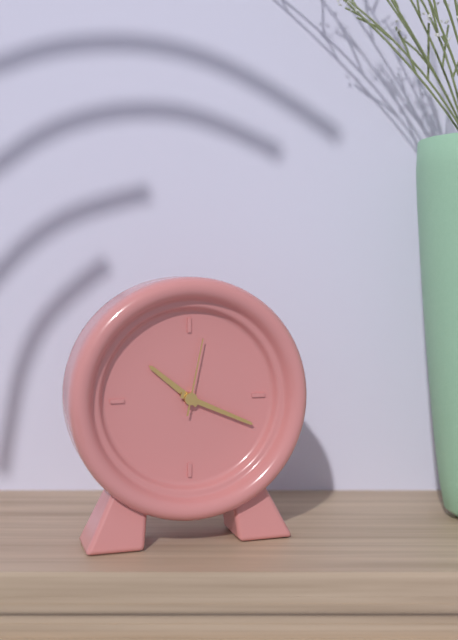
10,19,02
